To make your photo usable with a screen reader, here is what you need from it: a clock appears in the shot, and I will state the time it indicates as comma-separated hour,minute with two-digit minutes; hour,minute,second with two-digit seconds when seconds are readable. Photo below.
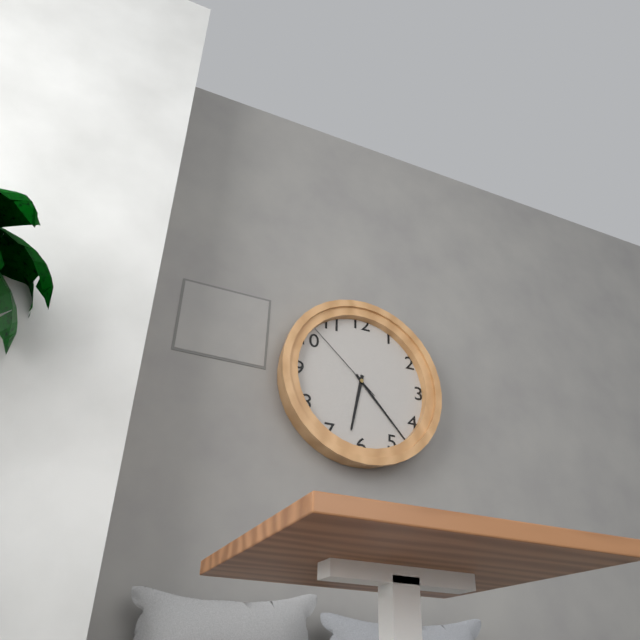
6,23,52
